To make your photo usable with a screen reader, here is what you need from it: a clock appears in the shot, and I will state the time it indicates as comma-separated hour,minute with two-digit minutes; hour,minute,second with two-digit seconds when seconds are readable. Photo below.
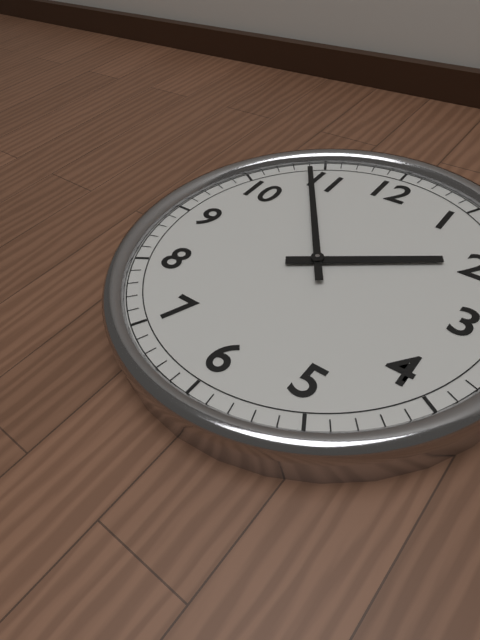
1,54
